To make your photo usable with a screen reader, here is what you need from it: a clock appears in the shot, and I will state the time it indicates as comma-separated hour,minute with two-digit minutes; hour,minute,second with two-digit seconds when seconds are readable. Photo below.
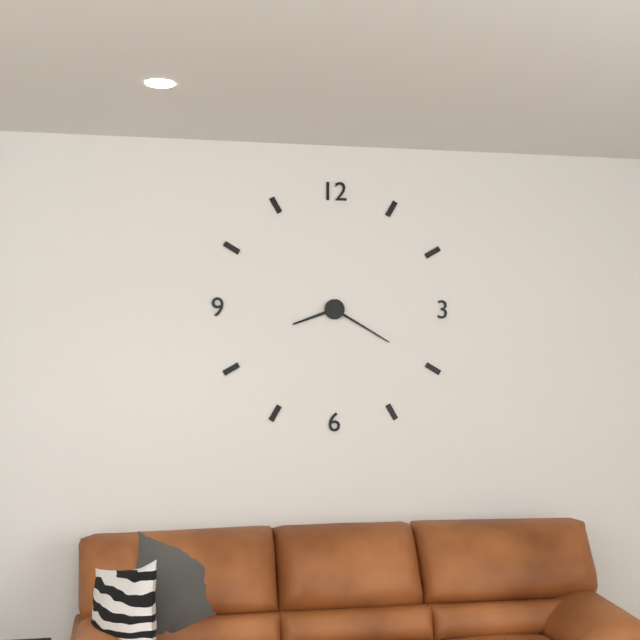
8,20
